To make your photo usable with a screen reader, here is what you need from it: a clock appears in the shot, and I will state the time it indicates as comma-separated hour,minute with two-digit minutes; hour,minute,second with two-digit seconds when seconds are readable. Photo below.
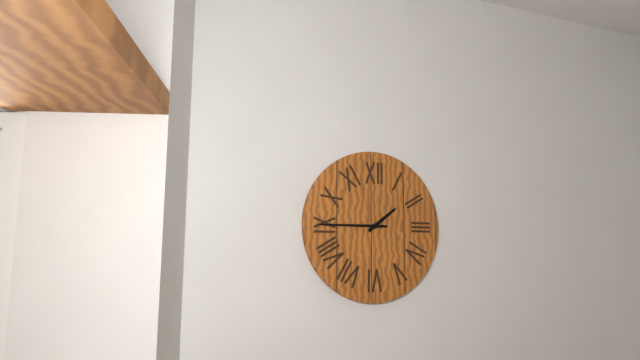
1,45
